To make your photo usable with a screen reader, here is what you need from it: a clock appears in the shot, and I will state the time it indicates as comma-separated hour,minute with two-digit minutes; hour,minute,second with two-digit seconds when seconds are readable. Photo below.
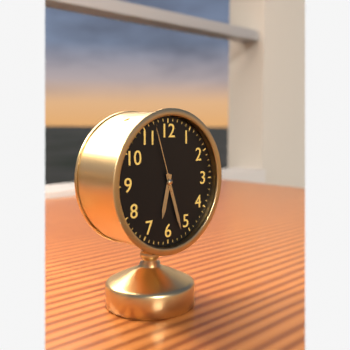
6,27,57
